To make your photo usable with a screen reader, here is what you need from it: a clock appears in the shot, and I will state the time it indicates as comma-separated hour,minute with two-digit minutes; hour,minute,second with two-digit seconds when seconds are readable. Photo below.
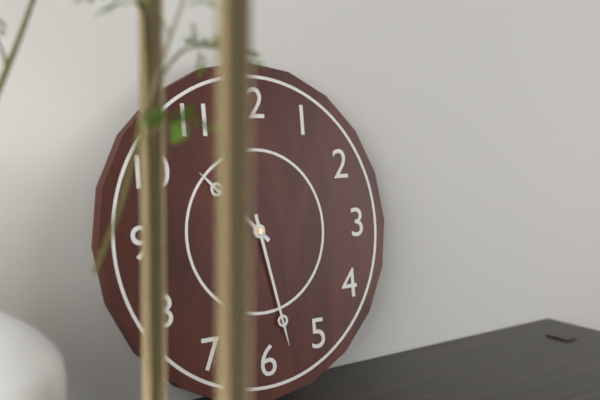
10,28
